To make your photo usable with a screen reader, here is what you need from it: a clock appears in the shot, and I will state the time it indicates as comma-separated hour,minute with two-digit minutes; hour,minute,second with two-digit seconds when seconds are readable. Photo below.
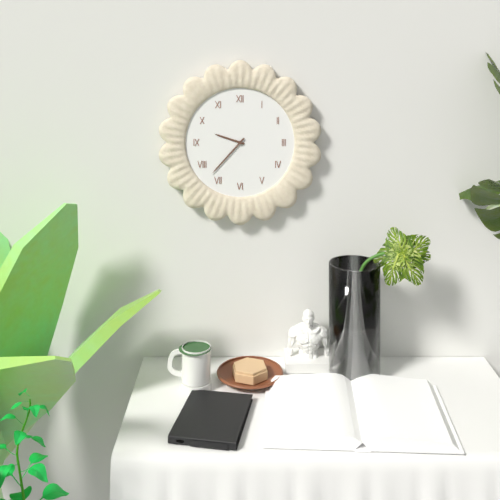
9,37
